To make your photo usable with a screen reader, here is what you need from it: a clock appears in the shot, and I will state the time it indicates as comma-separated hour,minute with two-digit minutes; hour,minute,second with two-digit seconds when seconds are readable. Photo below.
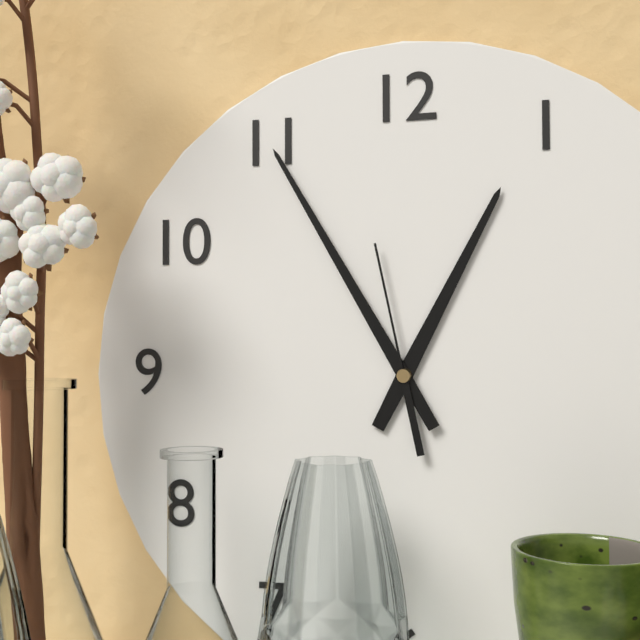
12,55,58
